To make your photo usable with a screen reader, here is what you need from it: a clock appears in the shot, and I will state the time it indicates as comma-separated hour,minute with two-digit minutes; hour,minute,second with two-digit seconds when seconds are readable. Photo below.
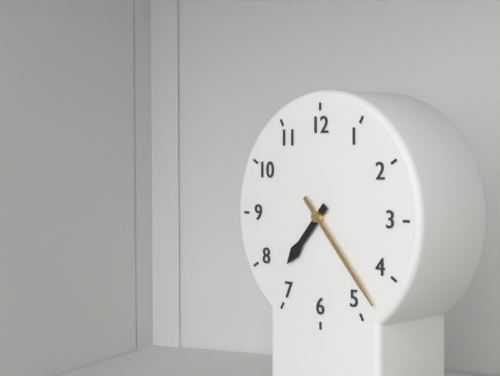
7,23
